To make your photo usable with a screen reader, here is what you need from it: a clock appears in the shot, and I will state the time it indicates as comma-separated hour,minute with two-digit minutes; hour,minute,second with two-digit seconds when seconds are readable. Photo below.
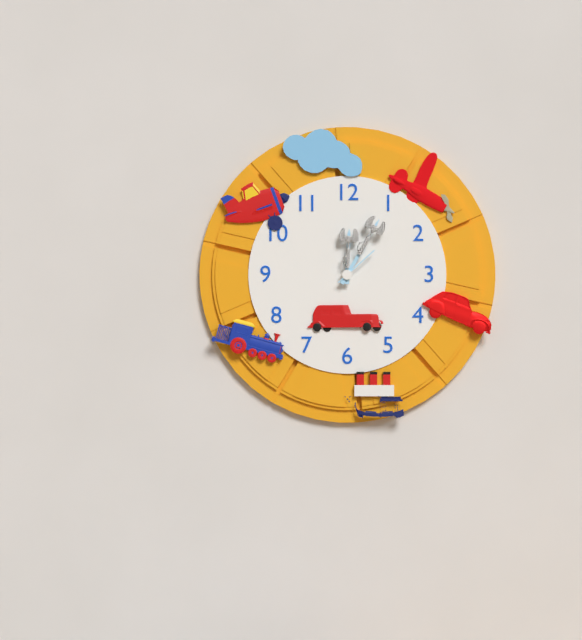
12,05
